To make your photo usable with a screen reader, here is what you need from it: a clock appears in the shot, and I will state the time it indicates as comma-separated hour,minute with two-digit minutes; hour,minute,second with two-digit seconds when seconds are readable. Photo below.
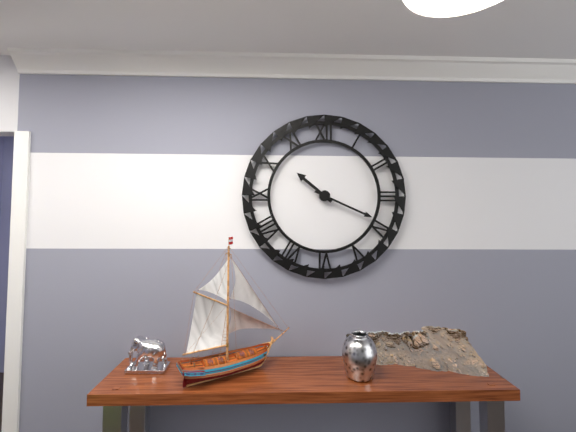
10,19
